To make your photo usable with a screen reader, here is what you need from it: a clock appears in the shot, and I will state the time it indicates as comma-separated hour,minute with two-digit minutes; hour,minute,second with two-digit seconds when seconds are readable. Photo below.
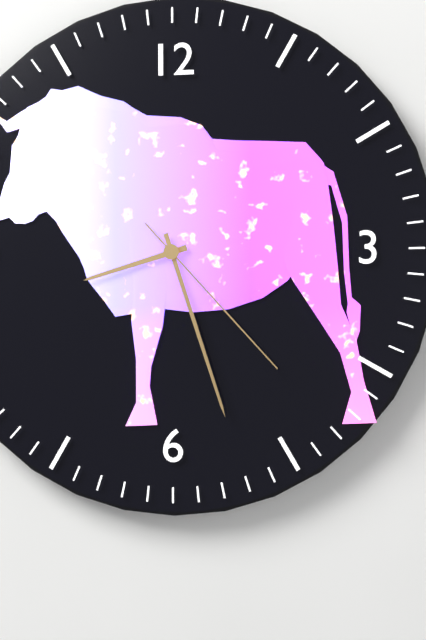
8,27,23
